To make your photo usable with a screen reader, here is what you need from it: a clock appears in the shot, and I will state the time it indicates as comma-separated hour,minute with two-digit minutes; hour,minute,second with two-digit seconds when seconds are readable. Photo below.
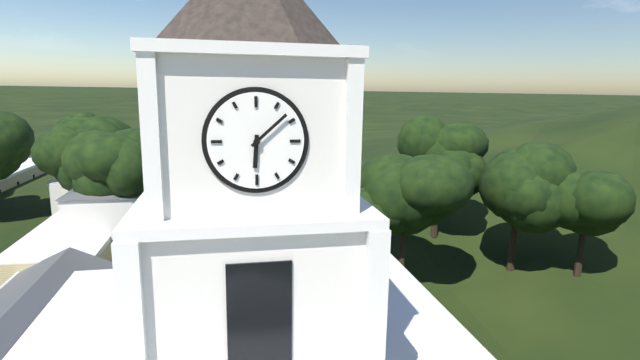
6,08
